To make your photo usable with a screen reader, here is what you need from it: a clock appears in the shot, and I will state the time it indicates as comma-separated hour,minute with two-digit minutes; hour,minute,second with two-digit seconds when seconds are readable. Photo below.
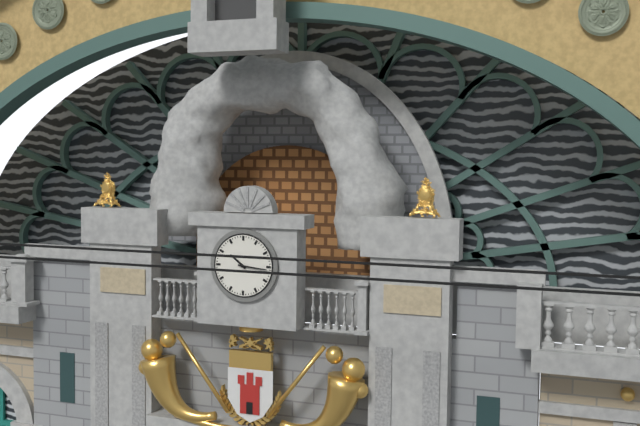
10,16
